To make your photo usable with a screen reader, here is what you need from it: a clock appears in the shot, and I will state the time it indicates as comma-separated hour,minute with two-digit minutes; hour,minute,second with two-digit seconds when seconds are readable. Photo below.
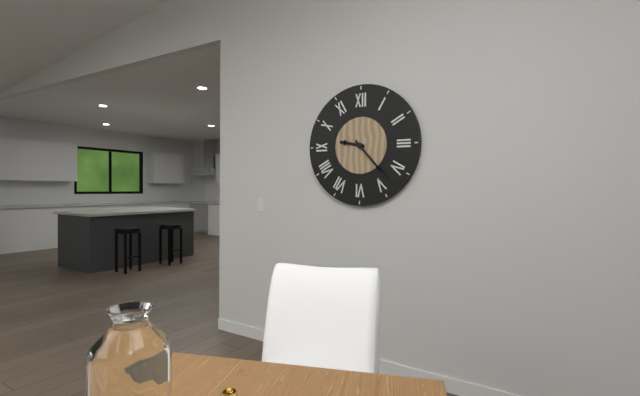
9,23
